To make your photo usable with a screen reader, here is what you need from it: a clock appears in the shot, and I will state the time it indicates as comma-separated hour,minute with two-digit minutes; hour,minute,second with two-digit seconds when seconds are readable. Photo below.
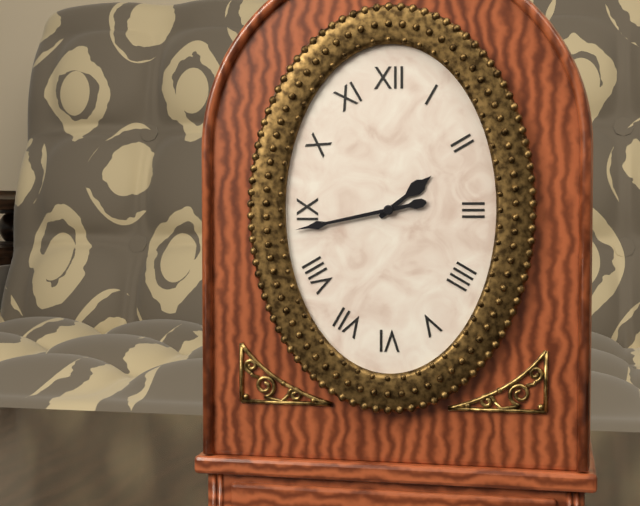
1,43
